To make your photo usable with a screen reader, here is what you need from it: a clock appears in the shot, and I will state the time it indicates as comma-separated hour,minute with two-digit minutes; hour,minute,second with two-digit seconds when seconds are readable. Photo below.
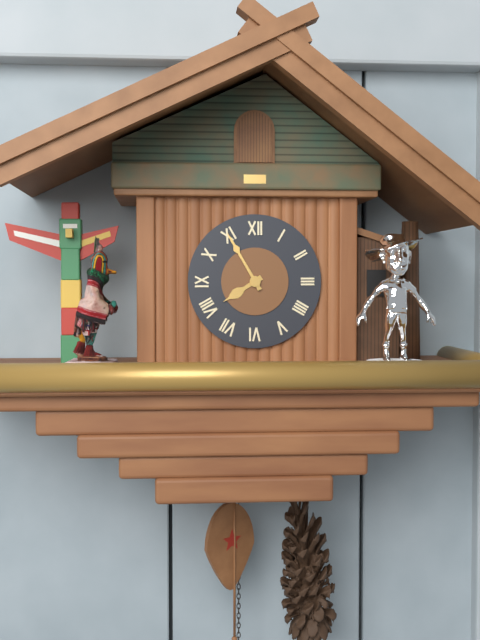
7,55
